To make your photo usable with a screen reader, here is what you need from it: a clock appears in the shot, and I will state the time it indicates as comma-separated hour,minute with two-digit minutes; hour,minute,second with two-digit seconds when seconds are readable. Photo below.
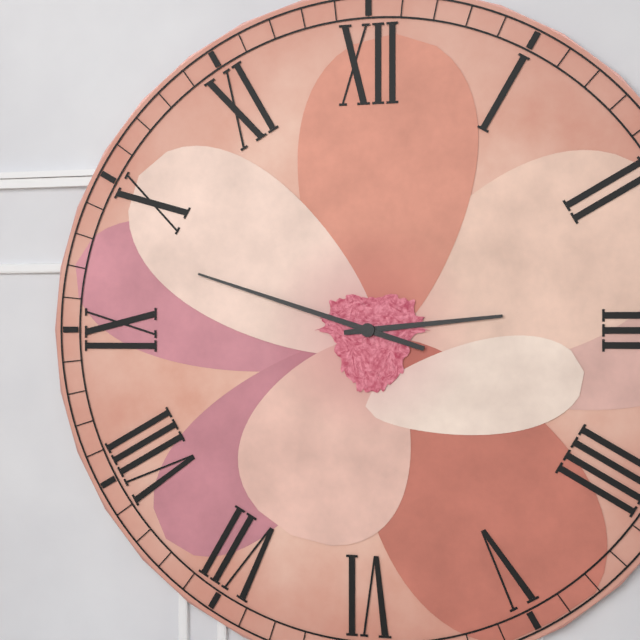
2,48
